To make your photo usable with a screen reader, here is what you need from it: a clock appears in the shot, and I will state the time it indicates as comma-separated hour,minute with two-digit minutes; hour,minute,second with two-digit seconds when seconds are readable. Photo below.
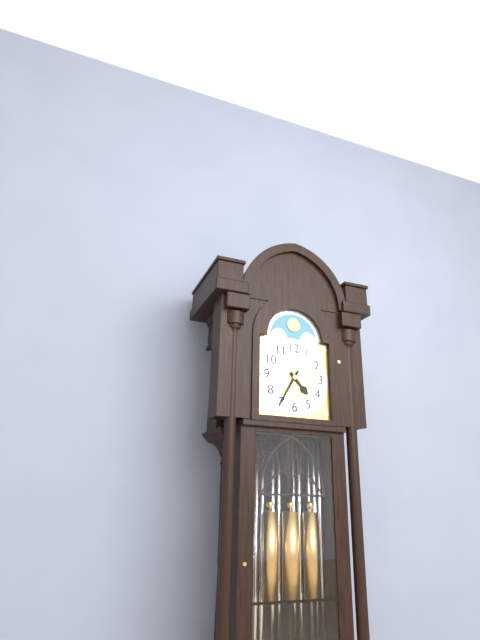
4,35
